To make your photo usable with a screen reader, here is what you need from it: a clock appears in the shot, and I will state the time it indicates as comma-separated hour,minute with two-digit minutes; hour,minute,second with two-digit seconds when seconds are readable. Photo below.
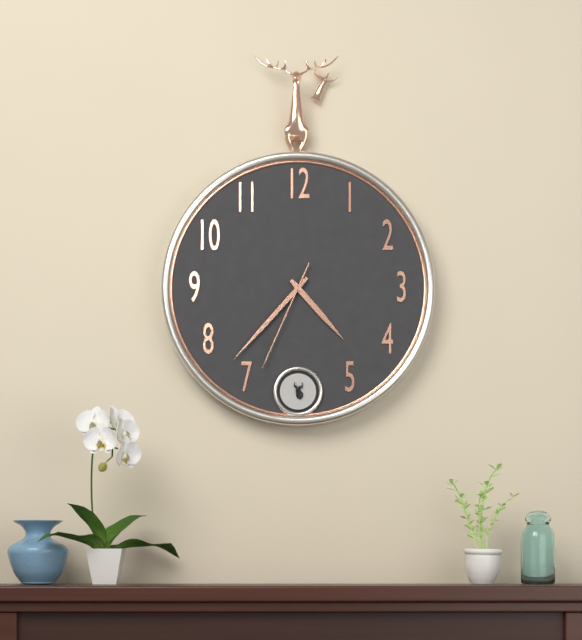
4,37,34
